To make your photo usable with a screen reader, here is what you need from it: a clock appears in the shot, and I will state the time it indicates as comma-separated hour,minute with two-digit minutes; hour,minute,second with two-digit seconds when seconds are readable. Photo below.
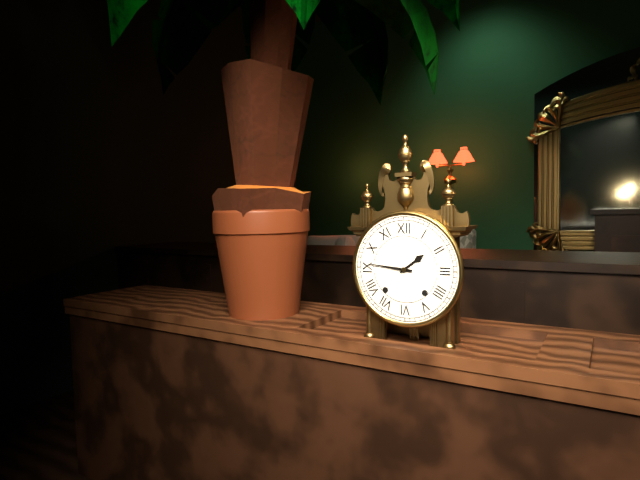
1,46
